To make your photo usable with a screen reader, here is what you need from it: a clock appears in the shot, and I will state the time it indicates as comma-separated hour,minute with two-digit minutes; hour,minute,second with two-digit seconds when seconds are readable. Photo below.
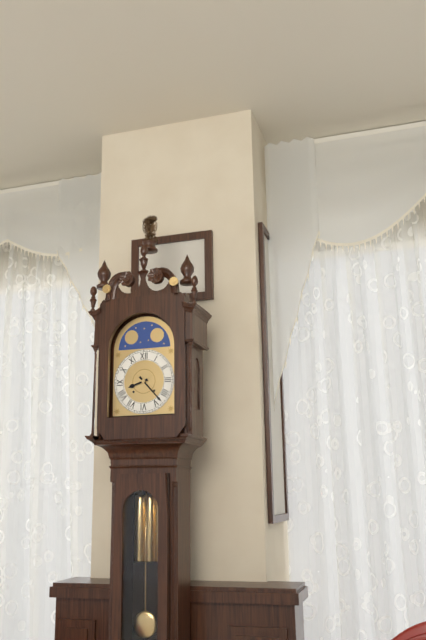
8,23
